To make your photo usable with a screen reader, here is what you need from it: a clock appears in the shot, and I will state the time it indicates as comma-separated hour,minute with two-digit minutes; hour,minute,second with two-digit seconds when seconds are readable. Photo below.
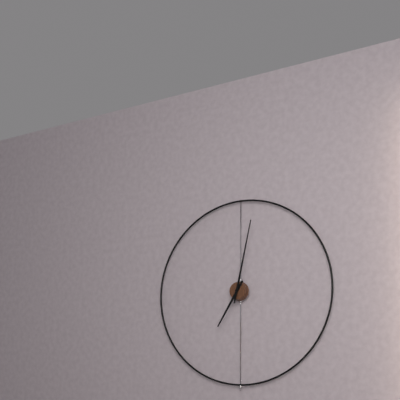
7,02
